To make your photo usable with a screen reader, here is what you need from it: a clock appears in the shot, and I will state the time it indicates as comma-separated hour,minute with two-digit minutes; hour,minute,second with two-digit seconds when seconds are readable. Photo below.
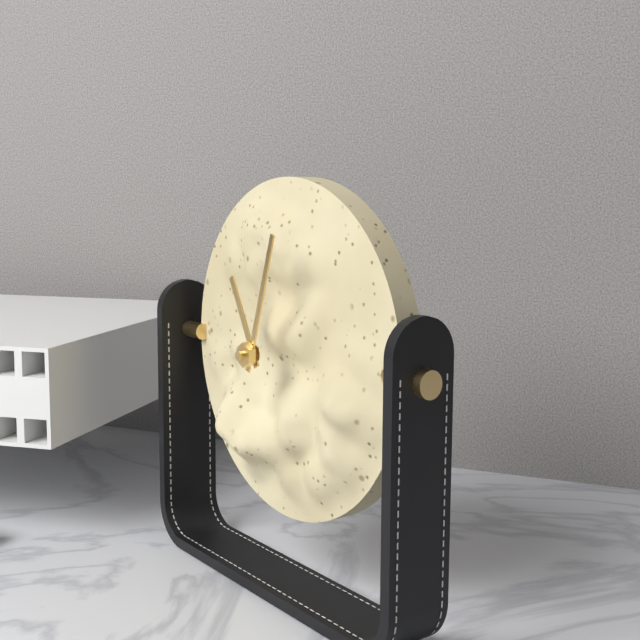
11,03
